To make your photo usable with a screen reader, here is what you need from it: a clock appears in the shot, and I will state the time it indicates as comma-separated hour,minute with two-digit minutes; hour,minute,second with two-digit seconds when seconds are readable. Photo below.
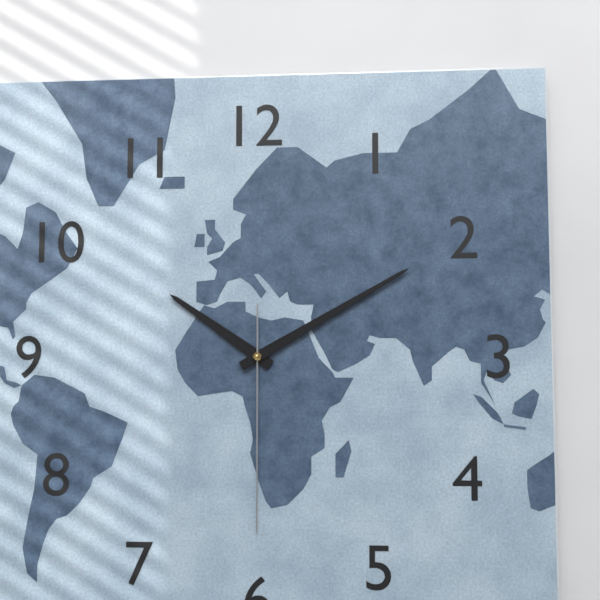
10,10,30
